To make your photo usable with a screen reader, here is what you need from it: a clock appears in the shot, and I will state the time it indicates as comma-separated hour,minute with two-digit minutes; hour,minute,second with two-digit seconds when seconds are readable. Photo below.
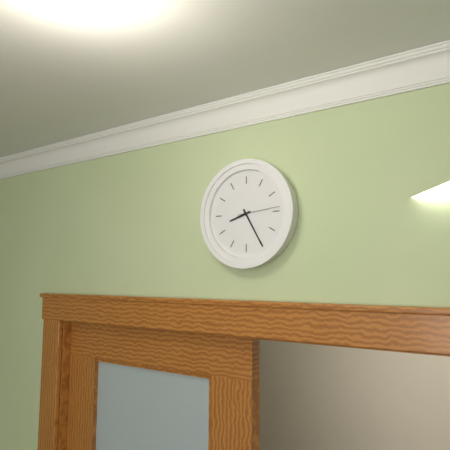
8,25
